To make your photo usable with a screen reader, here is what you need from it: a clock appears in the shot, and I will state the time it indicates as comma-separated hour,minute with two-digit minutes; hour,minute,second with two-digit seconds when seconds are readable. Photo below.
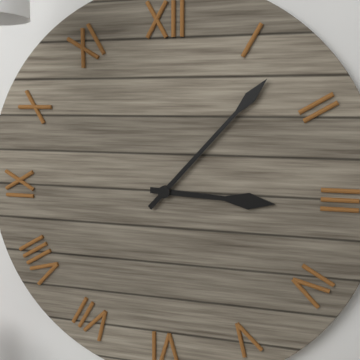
3,07
